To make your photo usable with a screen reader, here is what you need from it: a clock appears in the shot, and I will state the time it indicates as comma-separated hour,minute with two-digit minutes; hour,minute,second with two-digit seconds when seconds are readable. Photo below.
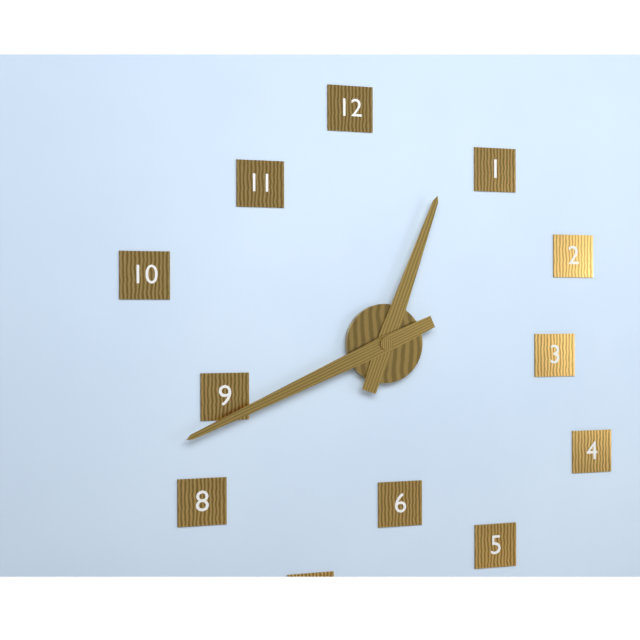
12,41
